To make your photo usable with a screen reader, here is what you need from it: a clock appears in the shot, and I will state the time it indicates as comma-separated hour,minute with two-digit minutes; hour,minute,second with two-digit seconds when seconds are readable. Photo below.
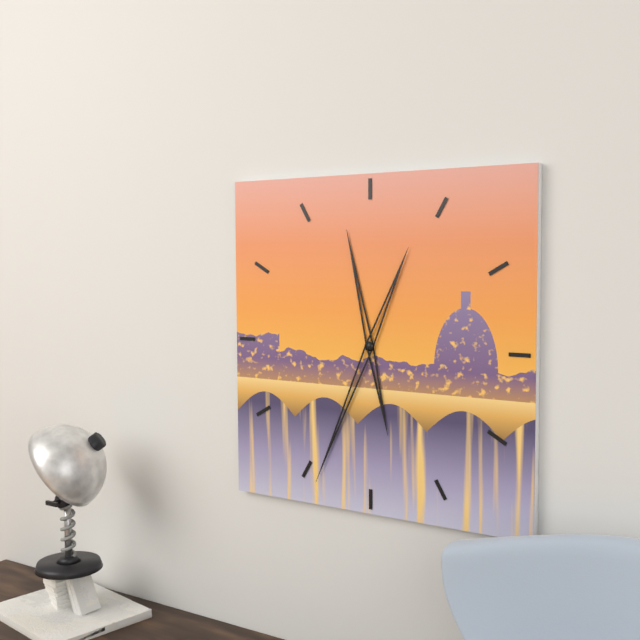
11,34
